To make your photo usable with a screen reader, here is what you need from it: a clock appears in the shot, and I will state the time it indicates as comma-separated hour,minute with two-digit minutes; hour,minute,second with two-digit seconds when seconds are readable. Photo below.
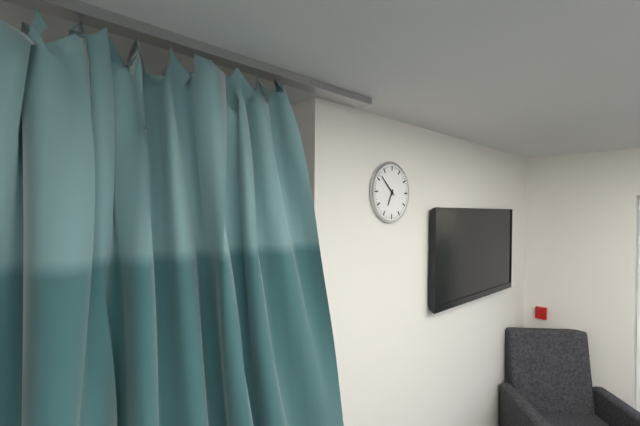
6,52
